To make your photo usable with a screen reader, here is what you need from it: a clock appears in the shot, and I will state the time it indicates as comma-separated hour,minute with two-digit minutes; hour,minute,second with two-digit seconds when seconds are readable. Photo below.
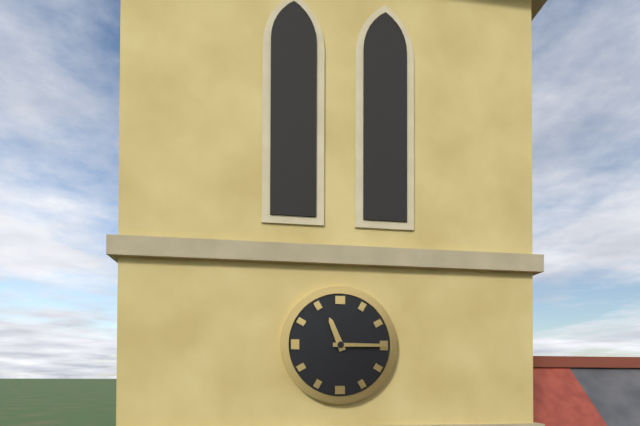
11,15
